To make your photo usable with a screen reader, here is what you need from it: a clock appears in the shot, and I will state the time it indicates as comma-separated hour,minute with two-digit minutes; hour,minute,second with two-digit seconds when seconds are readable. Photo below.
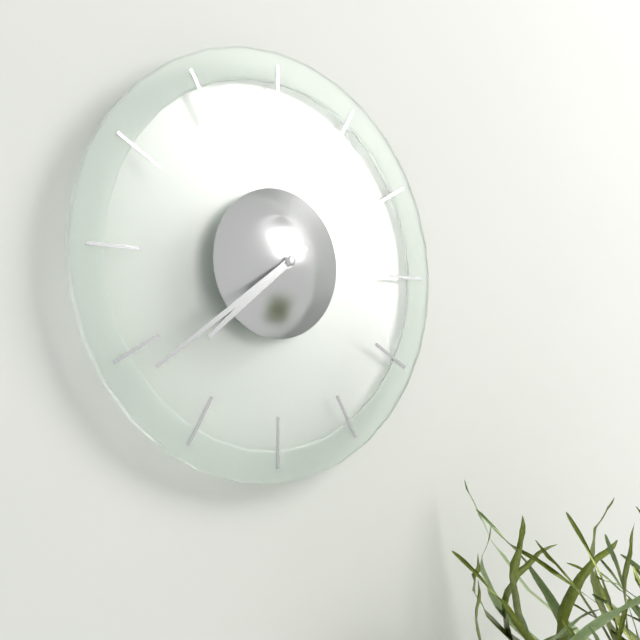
7,39
